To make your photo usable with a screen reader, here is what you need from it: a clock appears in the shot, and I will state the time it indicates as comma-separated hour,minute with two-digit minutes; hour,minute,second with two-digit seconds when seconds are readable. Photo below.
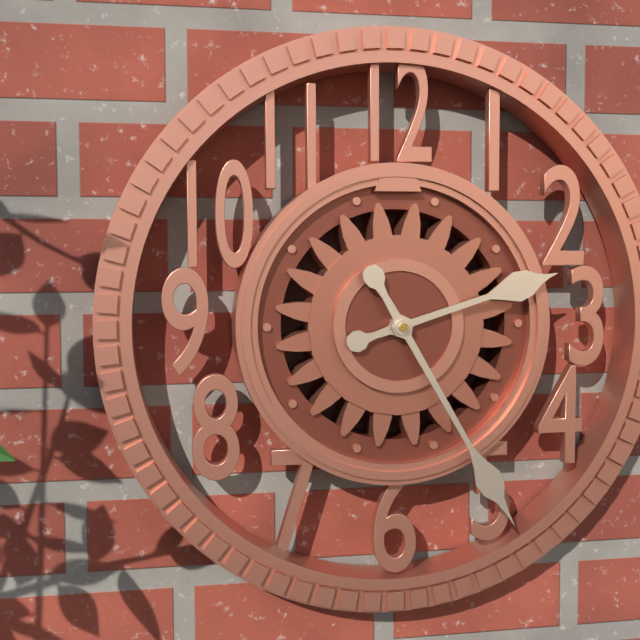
2,25
